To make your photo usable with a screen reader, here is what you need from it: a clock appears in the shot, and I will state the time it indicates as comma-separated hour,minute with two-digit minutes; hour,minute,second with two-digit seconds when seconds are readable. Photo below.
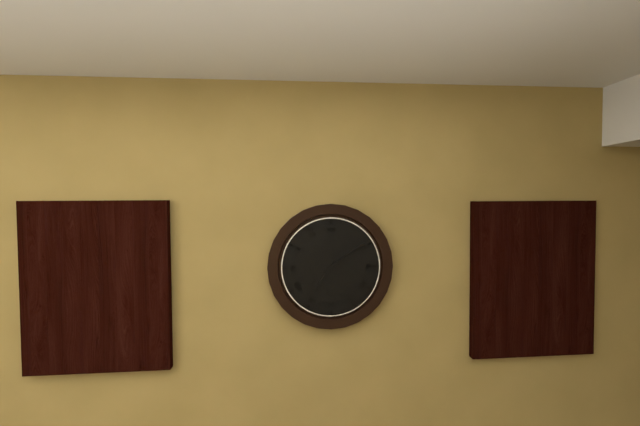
7,09
